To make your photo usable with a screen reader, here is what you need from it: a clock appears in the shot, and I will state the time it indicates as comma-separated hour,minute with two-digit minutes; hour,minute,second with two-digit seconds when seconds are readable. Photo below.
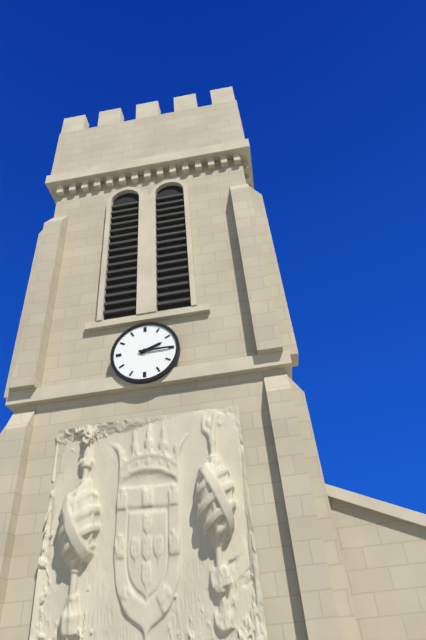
2,15
